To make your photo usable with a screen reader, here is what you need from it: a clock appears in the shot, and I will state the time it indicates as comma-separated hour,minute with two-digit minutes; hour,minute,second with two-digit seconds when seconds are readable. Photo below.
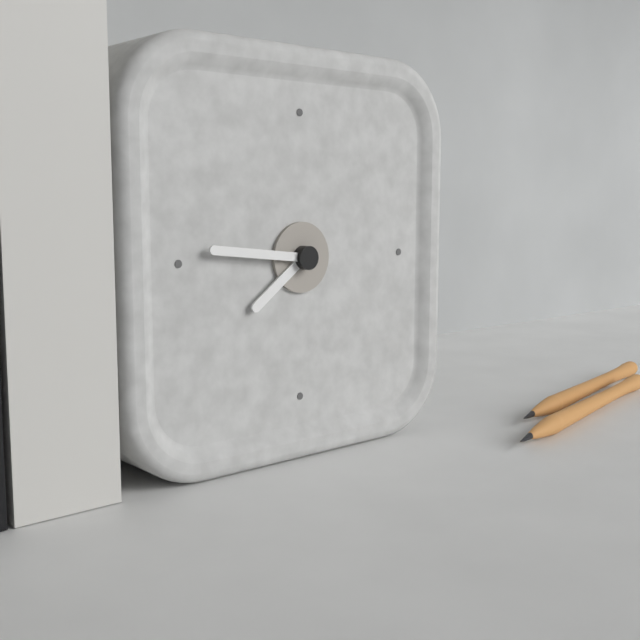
7,46
